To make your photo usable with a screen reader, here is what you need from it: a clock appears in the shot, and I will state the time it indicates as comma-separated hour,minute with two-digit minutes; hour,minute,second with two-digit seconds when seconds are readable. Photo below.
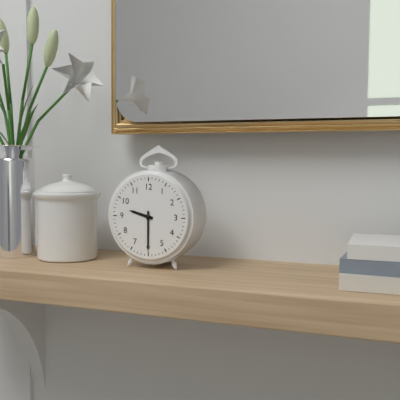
9,30
